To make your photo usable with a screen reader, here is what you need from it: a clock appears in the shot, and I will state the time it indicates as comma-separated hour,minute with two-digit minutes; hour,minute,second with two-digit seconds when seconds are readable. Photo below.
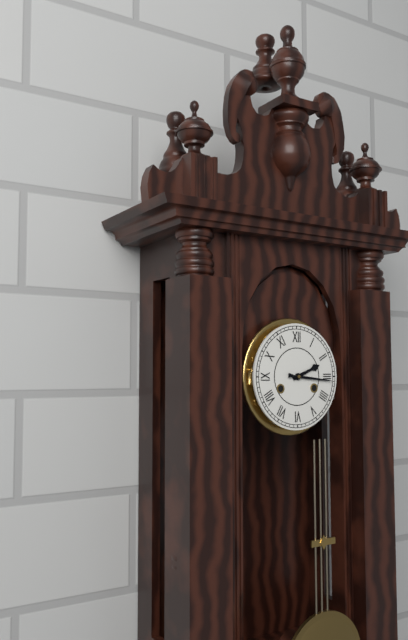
2,16
